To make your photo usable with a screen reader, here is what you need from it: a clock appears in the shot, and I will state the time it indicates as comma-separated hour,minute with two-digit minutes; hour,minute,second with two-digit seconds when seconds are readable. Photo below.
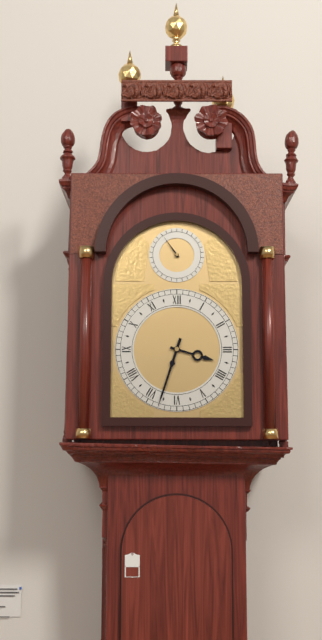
3,33
